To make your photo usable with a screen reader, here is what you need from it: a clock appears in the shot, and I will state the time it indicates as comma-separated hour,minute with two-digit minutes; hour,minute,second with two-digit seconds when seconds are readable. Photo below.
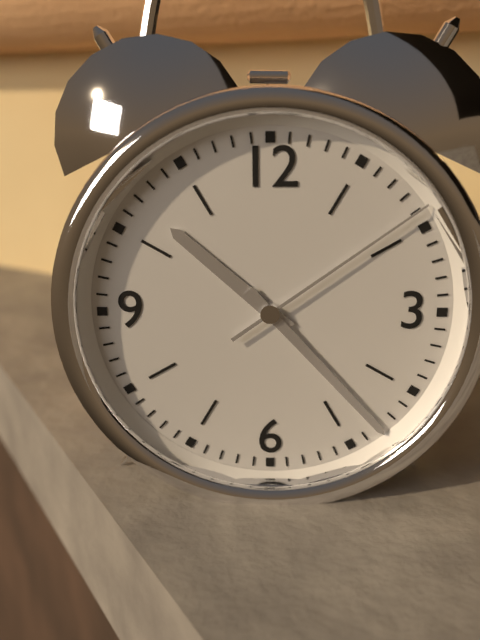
10,23,09
